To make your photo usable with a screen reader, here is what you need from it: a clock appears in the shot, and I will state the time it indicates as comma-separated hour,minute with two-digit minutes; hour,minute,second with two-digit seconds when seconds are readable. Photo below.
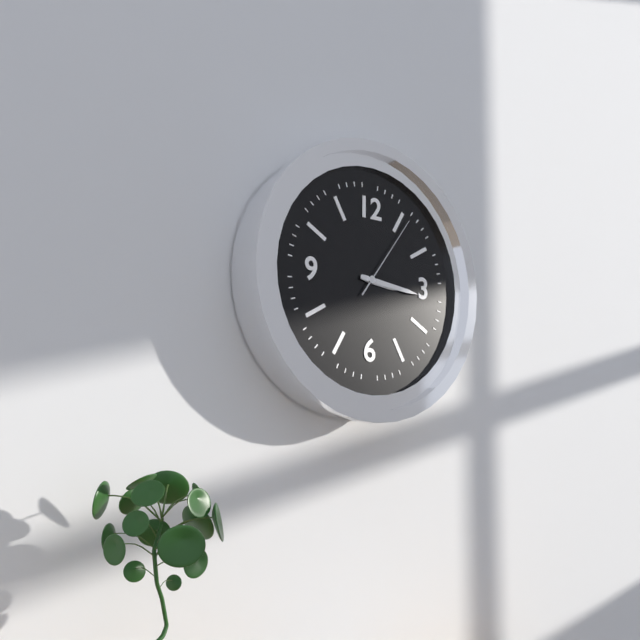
3,16,06
